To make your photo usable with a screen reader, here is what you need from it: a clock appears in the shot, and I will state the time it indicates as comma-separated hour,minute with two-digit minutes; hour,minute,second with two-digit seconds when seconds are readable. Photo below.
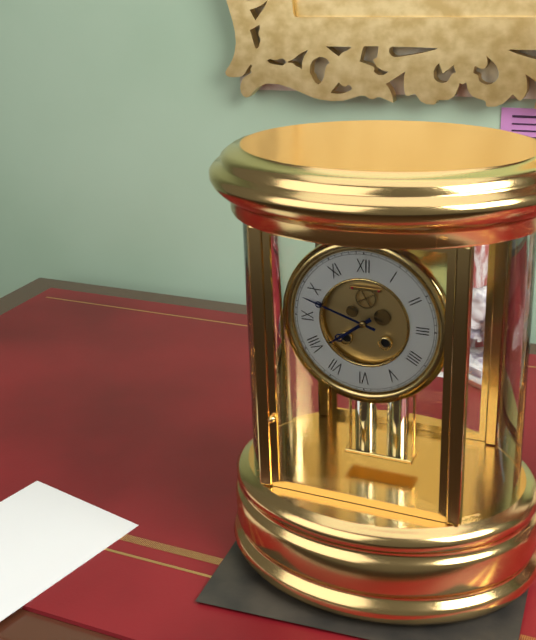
7,48
